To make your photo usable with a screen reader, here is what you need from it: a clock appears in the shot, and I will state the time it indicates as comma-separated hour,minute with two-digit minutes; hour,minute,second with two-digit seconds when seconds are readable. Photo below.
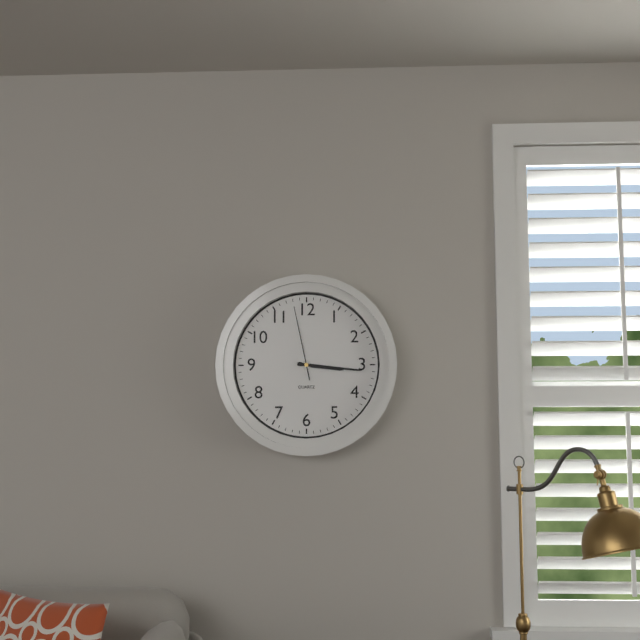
3,16,58
